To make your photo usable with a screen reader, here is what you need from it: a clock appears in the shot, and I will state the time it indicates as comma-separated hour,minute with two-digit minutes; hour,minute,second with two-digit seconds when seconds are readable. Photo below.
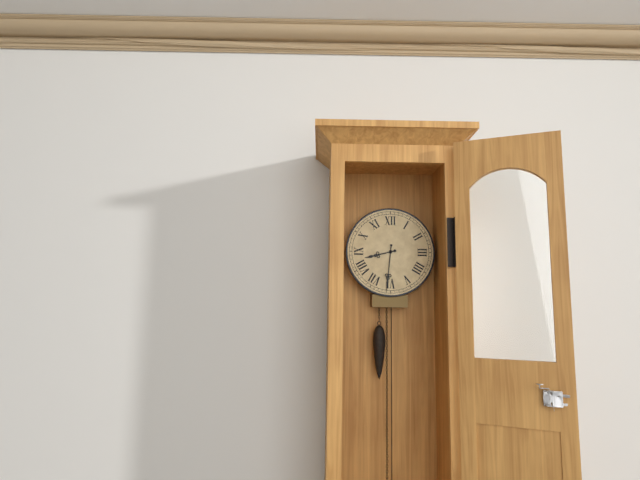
8,31
